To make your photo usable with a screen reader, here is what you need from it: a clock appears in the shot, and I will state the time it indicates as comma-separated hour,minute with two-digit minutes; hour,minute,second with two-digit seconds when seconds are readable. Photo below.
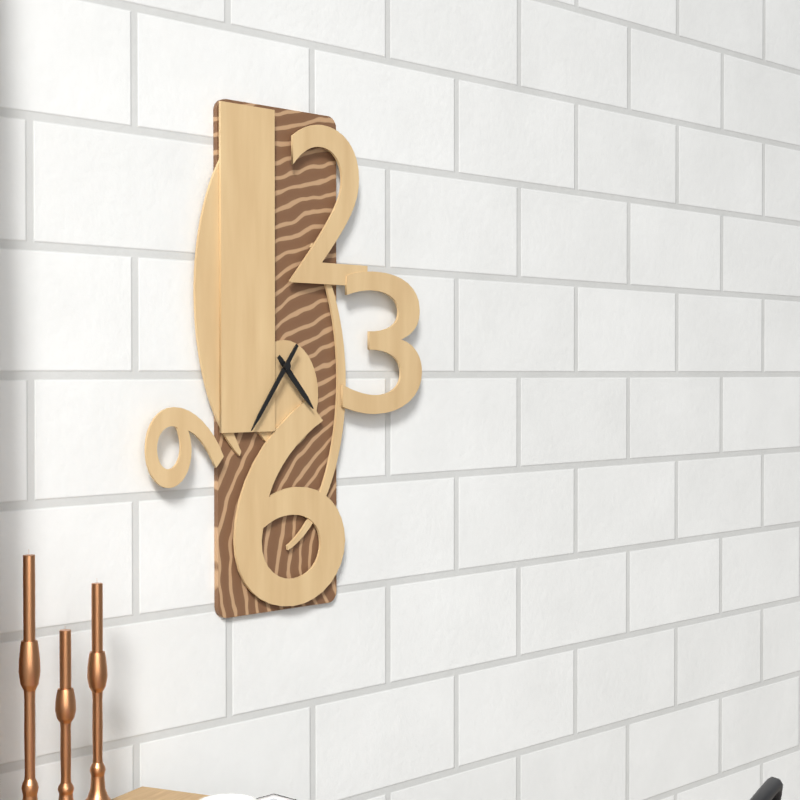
4,36
